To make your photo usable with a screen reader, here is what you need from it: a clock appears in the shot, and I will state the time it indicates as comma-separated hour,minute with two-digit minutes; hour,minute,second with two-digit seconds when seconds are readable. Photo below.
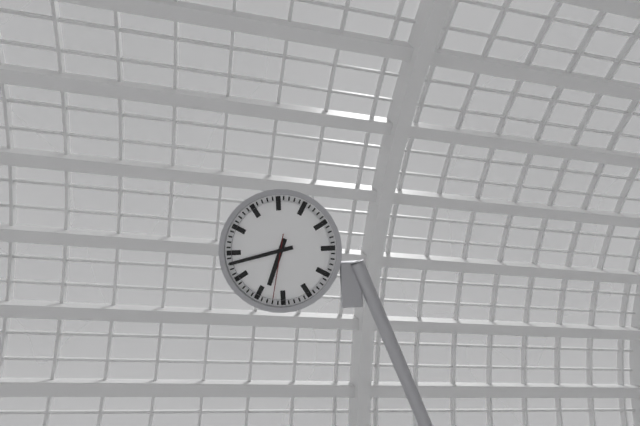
6,43,32
